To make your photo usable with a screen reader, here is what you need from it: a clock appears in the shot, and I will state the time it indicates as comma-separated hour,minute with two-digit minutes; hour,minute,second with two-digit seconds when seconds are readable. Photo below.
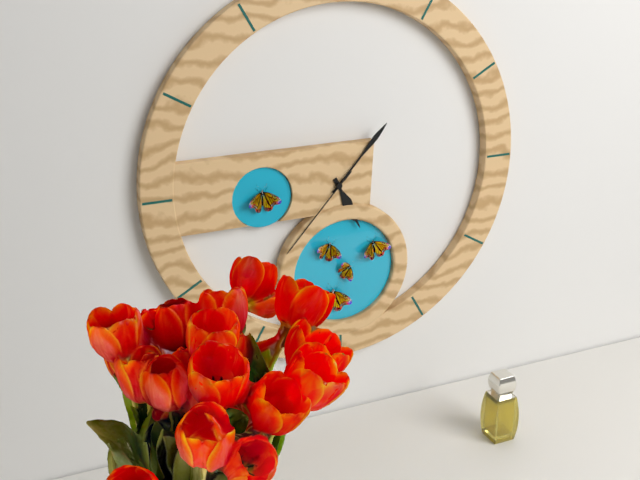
5,07,37
